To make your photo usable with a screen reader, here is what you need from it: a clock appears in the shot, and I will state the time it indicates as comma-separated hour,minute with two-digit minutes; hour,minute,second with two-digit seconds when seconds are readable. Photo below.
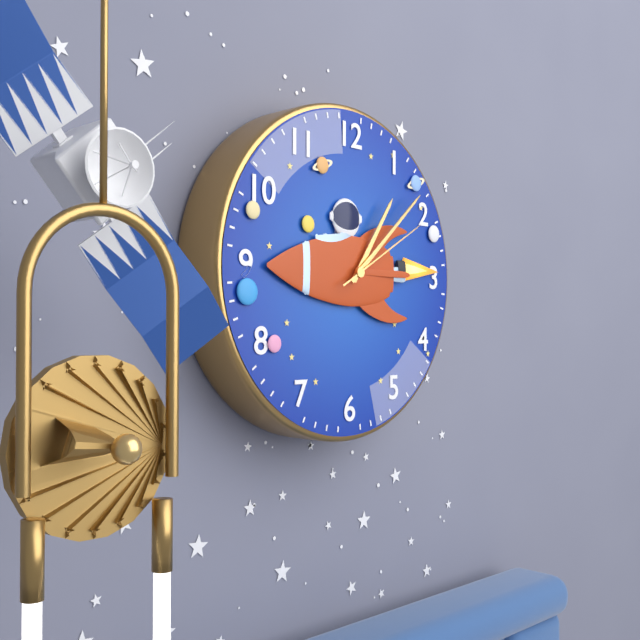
1,08,10
